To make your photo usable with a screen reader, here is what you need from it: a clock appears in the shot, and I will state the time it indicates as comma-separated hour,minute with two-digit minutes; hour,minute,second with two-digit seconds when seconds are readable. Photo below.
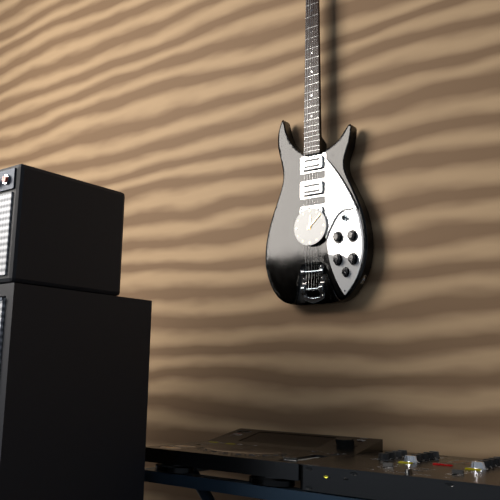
12,08
